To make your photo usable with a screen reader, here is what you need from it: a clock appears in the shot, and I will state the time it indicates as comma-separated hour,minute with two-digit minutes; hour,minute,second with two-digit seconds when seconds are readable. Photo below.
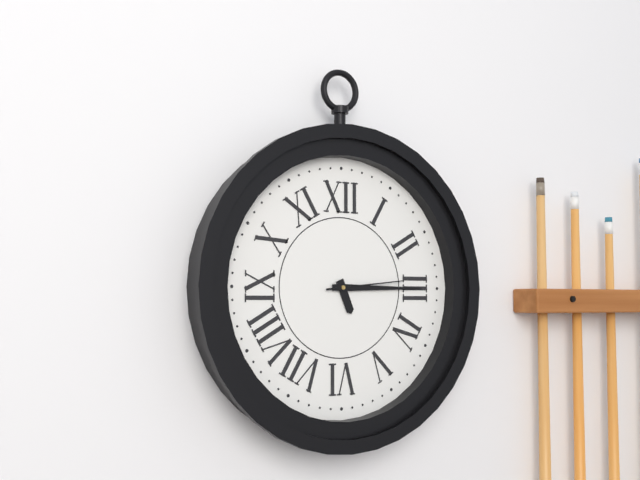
5,15,14
